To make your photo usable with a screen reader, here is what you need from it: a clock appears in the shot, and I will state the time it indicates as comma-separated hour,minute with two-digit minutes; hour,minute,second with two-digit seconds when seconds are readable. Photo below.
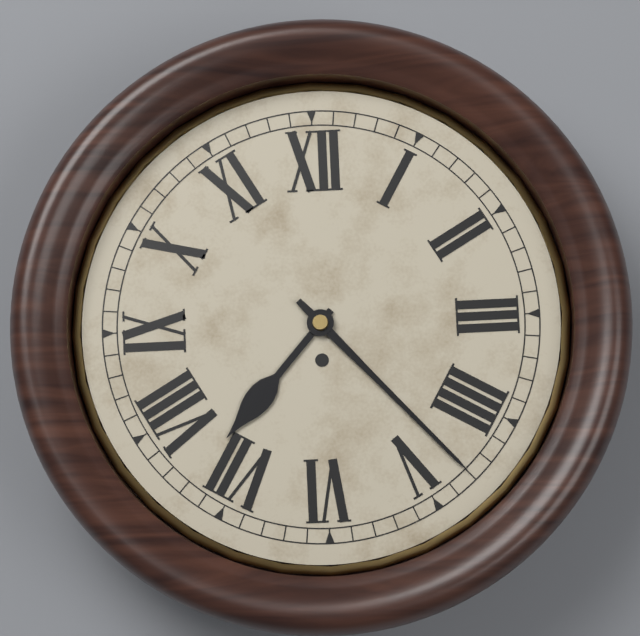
7,23
